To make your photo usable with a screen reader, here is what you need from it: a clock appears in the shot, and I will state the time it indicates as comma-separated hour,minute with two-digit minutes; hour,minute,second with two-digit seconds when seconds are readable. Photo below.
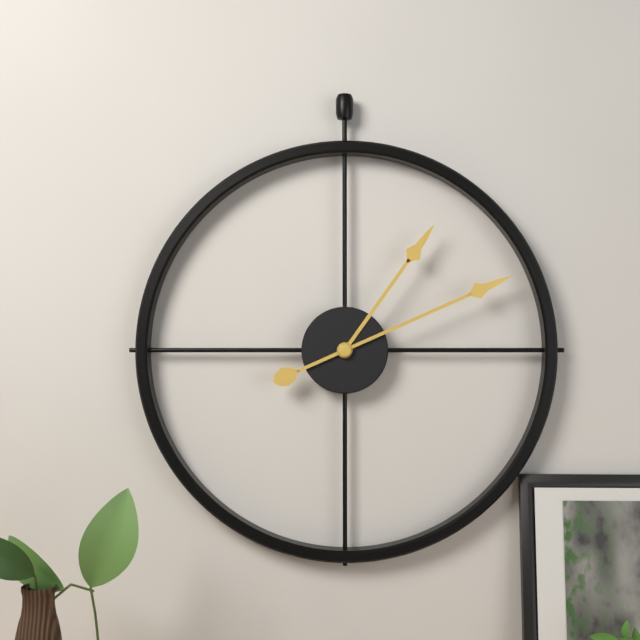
1,11
